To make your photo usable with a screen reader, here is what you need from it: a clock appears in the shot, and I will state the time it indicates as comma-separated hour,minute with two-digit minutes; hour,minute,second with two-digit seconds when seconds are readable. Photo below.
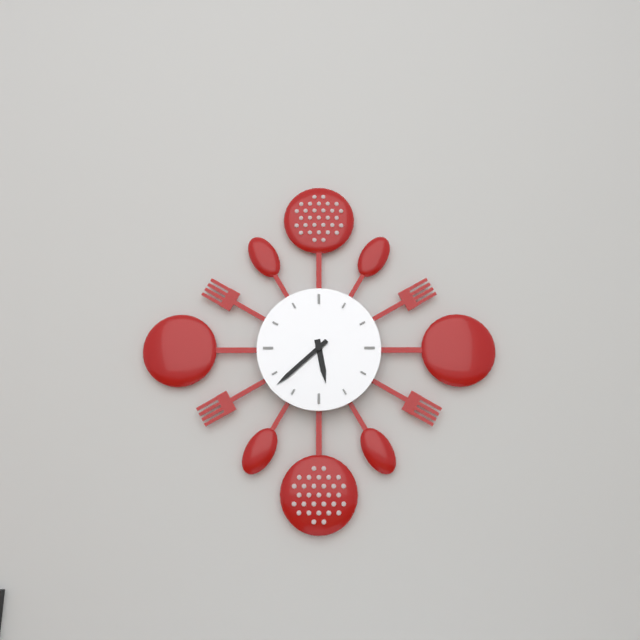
5,38
